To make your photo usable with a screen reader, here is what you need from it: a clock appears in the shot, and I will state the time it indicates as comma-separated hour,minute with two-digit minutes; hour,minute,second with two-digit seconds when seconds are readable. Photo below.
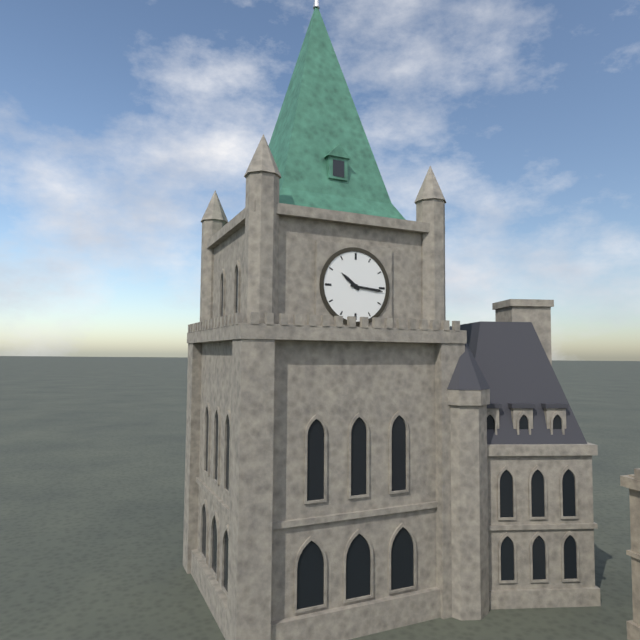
10,16
